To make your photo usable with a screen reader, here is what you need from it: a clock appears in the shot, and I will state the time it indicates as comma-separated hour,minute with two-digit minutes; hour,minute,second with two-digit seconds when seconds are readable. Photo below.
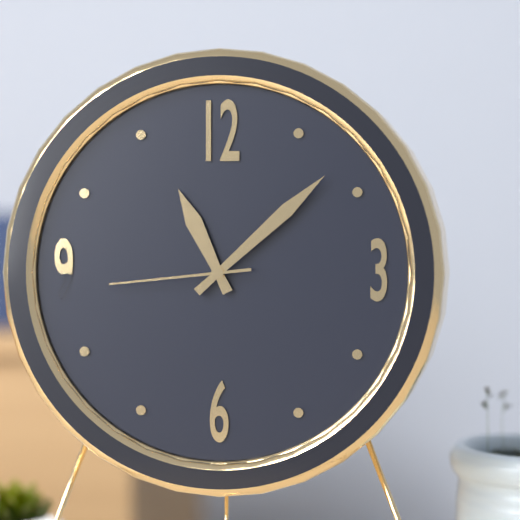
11,08,44
